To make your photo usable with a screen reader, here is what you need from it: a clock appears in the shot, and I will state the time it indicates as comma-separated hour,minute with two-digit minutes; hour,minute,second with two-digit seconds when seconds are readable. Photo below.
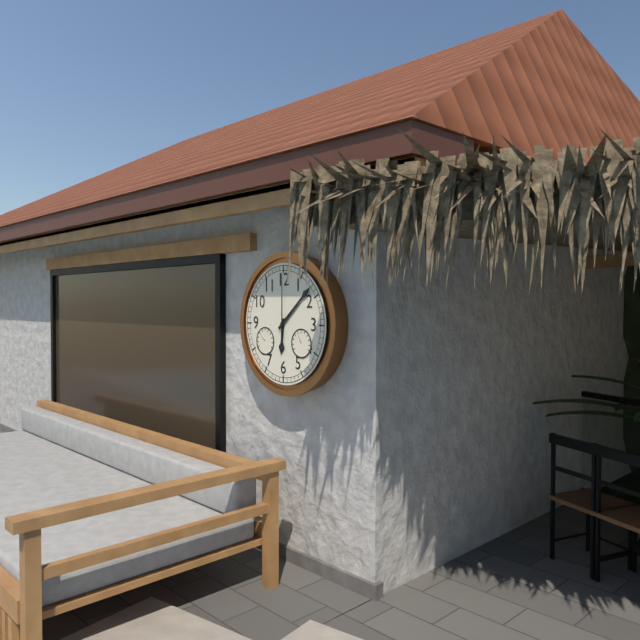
6,08,00
